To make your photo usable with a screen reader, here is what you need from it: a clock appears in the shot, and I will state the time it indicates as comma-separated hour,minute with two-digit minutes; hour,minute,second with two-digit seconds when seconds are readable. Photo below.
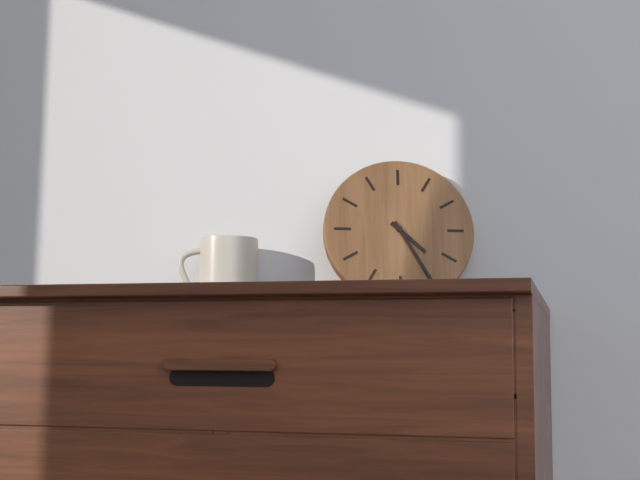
4,25
